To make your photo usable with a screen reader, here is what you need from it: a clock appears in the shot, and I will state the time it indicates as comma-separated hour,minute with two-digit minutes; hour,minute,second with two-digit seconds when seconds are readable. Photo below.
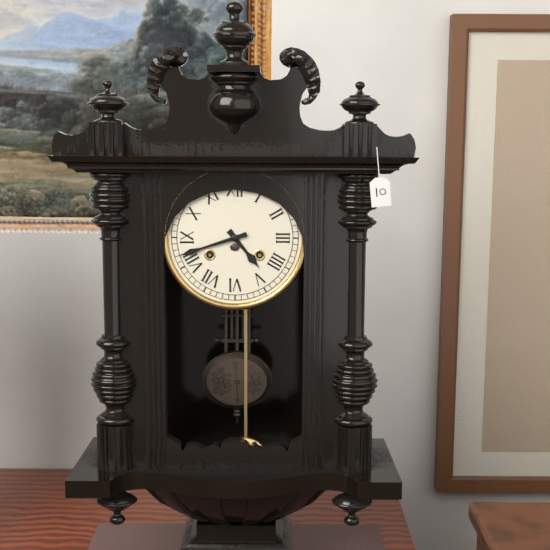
4,42
